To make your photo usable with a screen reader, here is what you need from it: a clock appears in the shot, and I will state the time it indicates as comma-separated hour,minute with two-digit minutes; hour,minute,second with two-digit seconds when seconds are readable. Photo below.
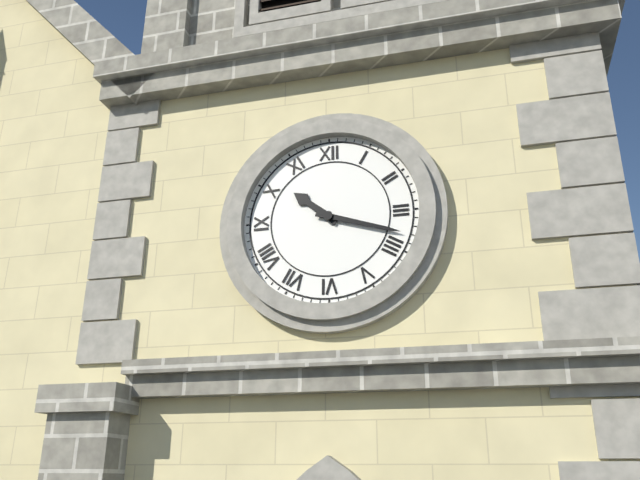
10,18
